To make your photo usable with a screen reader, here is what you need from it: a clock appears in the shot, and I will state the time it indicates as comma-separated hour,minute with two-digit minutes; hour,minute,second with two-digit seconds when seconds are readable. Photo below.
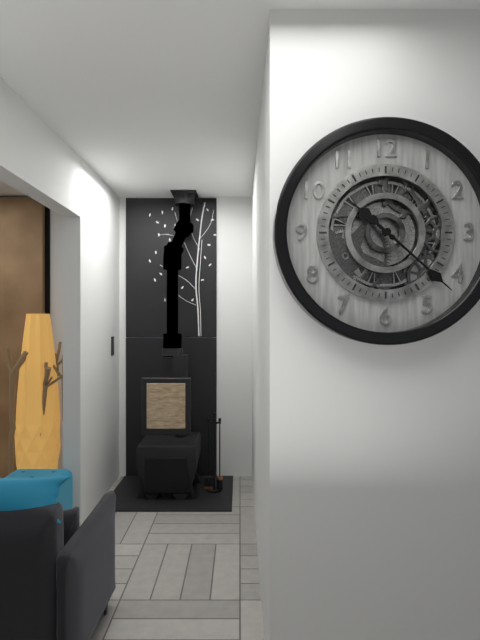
10,22
